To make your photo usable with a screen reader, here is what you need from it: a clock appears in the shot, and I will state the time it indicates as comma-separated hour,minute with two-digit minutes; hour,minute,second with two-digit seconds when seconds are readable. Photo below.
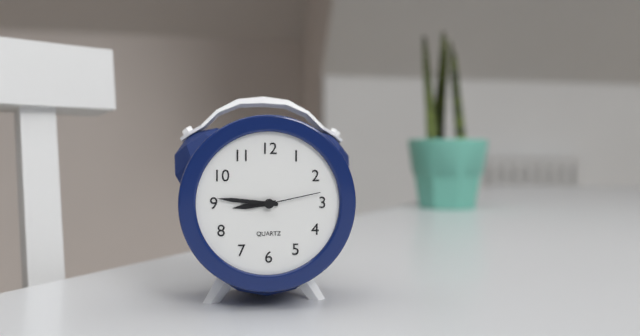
8,46,13
